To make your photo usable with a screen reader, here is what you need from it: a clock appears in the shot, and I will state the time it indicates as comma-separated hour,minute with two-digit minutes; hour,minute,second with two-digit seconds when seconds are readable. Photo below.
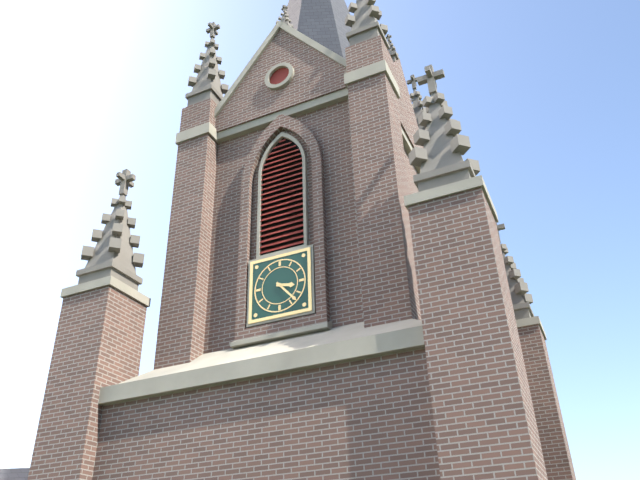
3,23
